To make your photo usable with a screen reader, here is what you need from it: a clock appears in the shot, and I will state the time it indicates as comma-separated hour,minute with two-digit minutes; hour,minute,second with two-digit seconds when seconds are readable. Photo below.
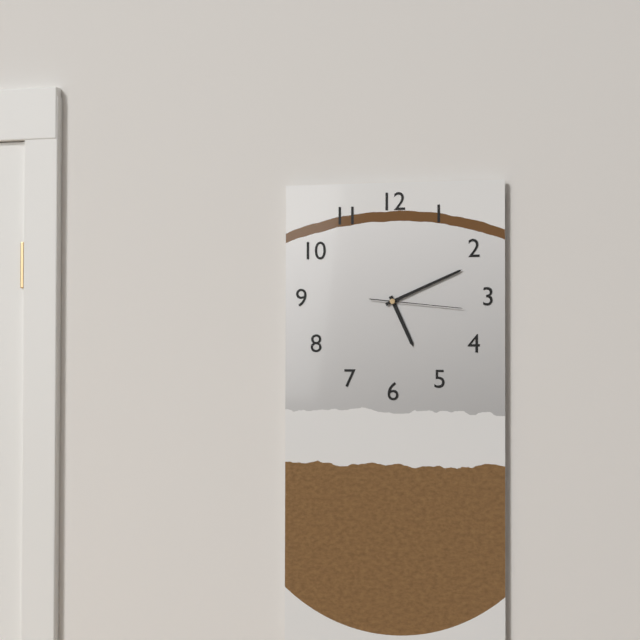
5,11,16
